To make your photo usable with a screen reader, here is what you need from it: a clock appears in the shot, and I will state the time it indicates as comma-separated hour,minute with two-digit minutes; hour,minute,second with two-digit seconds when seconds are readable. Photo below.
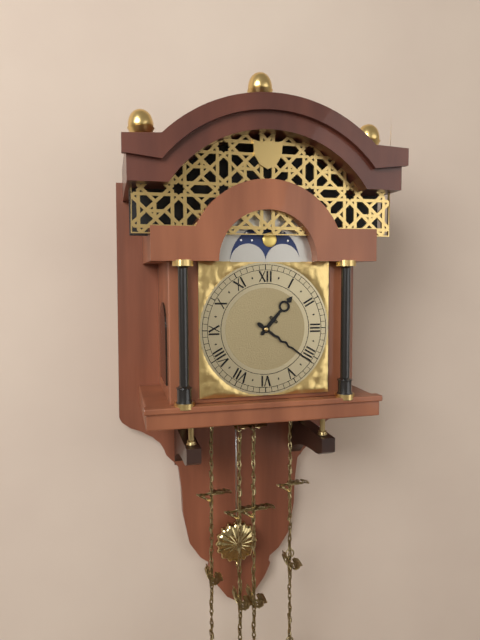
1,21
